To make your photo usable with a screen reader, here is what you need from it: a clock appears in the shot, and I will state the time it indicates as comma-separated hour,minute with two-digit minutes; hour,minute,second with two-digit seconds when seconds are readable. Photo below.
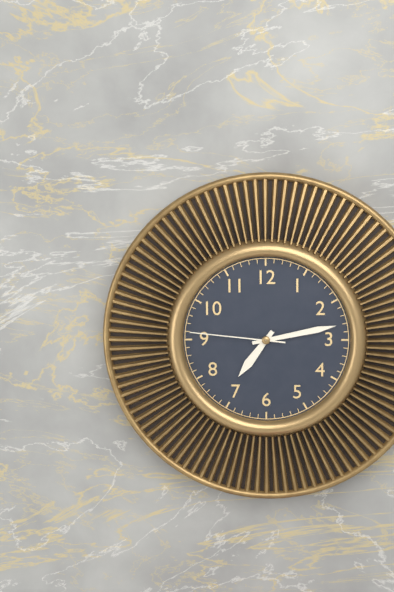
7,13,46
